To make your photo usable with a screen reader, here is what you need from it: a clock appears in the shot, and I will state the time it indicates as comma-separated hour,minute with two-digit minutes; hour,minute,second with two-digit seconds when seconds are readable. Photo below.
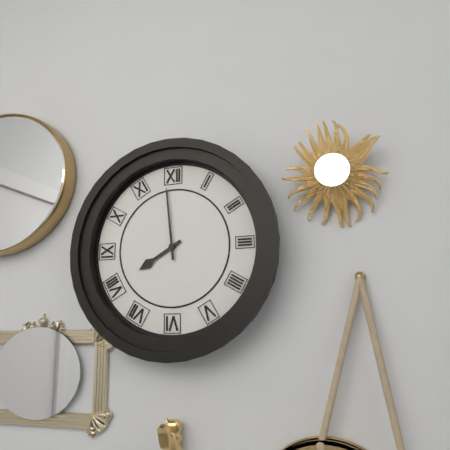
7,59
